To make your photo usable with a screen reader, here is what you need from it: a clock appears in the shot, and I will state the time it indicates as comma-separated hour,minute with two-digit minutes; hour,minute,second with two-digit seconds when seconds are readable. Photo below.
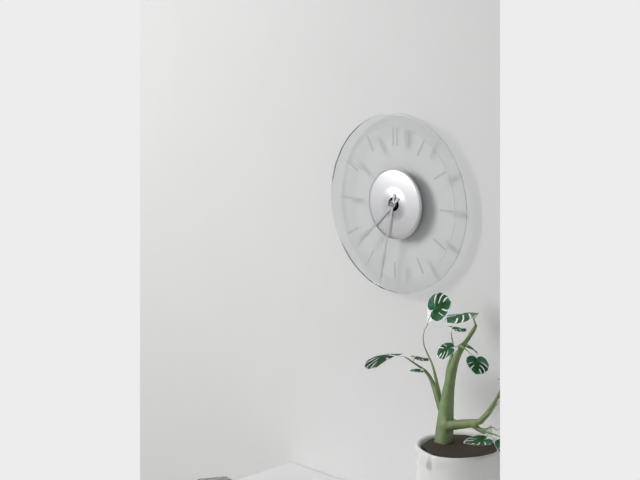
7,32
